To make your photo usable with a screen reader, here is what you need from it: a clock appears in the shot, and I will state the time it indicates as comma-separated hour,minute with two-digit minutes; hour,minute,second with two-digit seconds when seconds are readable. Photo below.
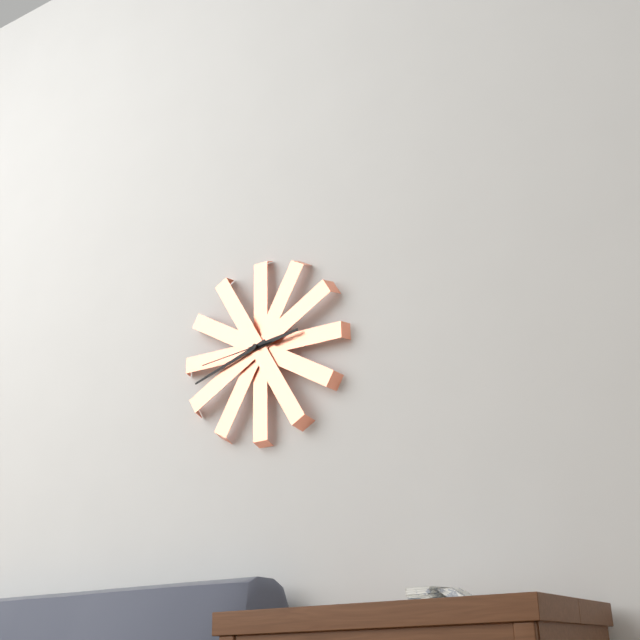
2,42,44
